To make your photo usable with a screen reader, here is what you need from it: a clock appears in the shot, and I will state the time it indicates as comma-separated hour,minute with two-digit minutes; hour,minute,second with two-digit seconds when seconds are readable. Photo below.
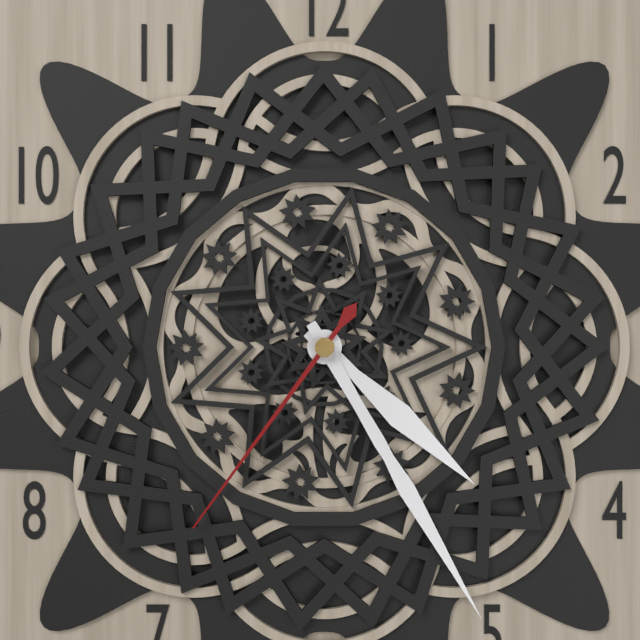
4,25,36
